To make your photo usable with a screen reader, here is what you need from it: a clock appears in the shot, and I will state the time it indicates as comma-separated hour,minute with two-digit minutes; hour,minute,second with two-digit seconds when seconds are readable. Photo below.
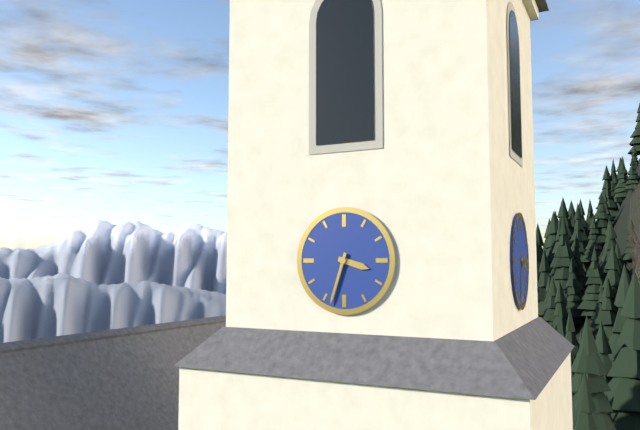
3,33
